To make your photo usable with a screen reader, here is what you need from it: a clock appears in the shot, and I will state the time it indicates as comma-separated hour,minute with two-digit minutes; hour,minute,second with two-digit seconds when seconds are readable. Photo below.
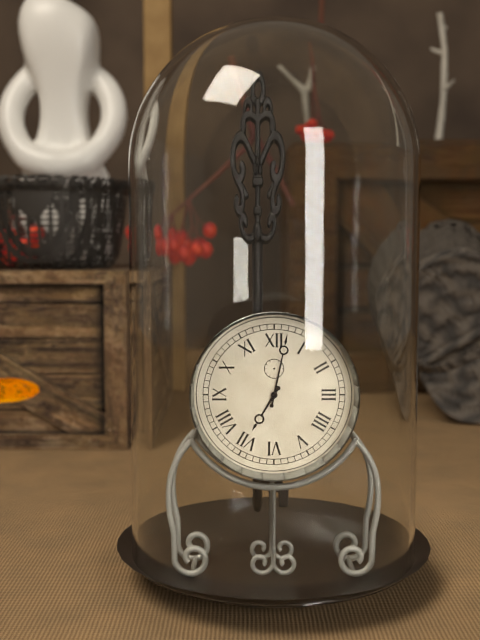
7,02
